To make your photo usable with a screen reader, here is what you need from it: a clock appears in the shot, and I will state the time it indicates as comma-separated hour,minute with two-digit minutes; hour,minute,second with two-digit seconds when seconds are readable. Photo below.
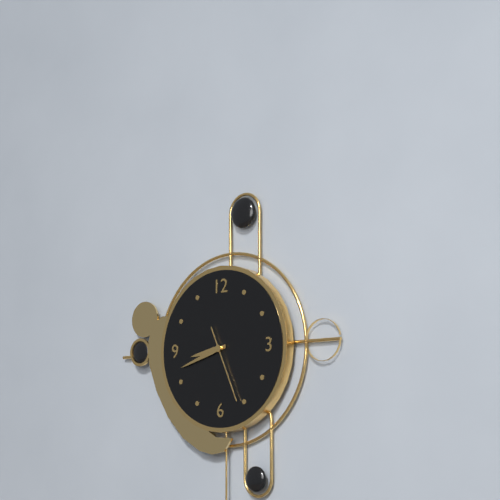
8,42,26
